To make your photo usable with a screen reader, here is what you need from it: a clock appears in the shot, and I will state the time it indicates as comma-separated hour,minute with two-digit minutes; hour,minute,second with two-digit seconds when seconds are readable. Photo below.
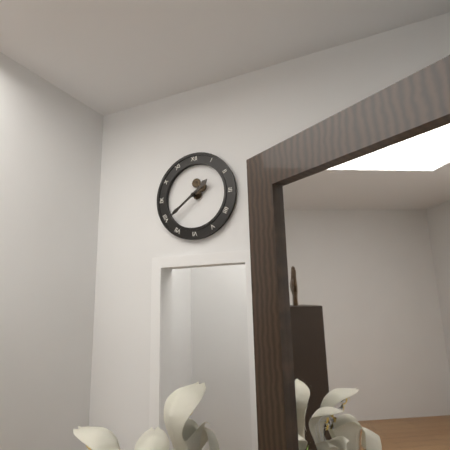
1,39
